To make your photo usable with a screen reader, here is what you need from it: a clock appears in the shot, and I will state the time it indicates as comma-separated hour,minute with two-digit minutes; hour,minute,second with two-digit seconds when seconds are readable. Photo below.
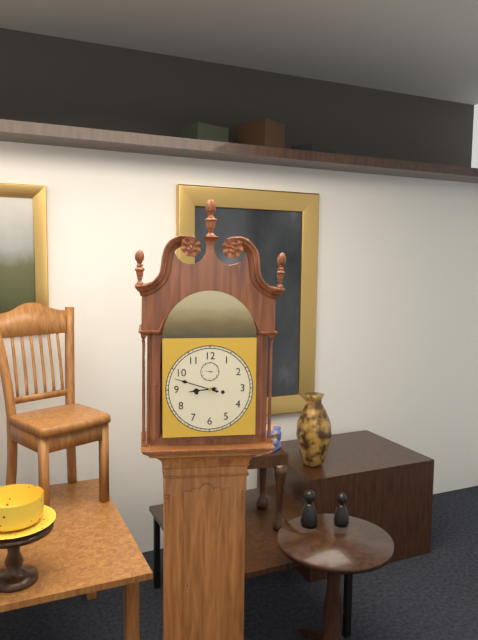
8,48
